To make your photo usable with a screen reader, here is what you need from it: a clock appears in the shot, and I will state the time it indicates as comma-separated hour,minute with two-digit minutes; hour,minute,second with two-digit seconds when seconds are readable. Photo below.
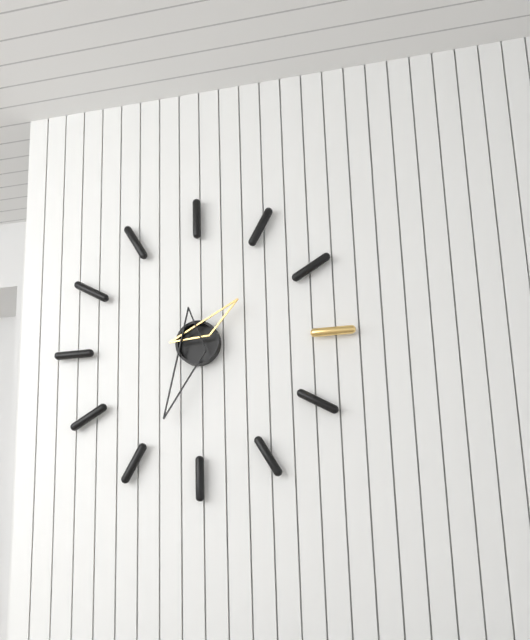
1,34
